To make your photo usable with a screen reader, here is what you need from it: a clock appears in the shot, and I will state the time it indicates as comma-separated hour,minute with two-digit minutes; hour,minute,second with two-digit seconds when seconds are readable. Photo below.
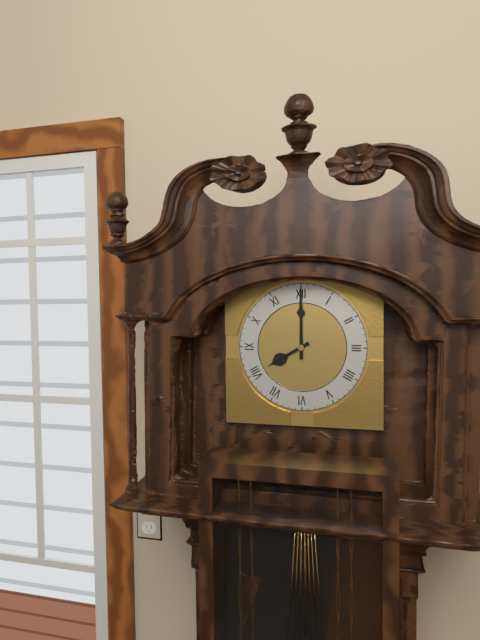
8,00
